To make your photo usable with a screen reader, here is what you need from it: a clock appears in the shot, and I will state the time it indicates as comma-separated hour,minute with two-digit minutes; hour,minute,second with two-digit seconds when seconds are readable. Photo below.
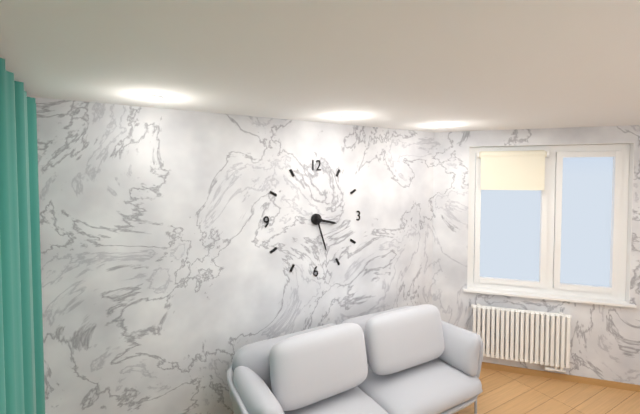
3,27
